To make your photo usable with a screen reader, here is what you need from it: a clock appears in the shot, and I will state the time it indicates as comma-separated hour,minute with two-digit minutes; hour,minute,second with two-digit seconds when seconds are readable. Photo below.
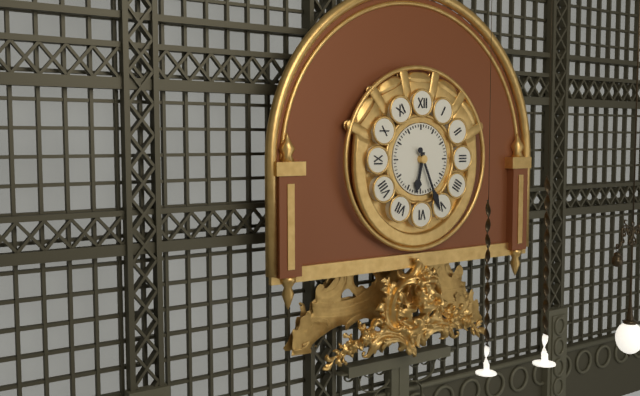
6,26
